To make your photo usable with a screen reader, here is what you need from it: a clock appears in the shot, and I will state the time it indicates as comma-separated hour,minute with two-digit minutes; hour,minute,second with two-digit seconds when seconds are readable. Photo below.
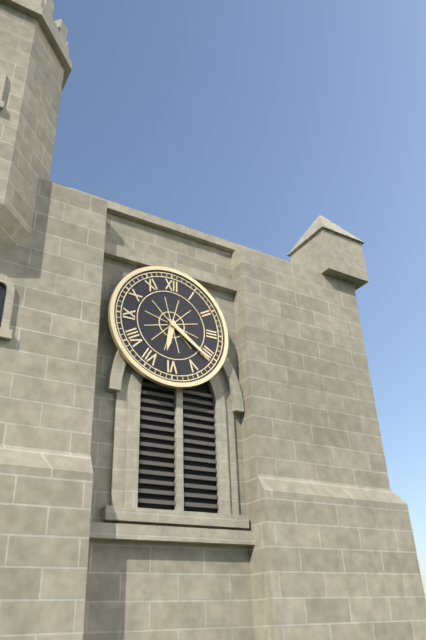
6,21
